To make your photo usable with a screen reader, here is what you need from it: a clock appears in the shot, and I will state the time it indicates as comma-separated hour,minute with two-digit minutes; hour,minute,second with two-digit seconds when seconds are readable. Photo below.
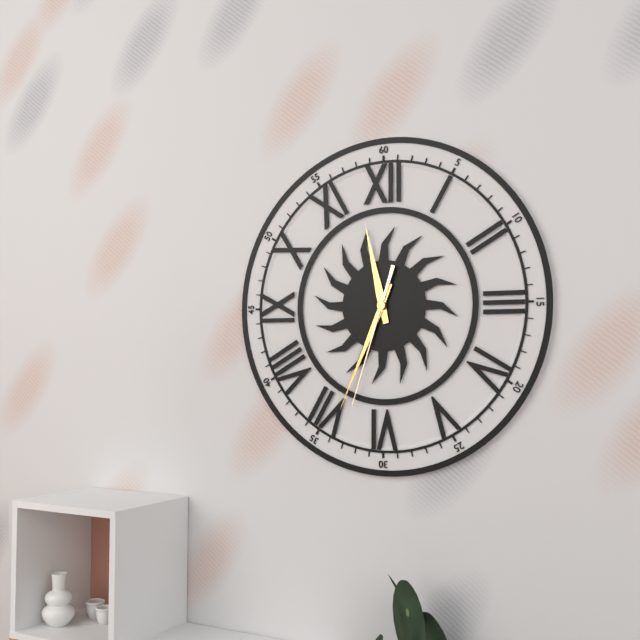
11,34,33
